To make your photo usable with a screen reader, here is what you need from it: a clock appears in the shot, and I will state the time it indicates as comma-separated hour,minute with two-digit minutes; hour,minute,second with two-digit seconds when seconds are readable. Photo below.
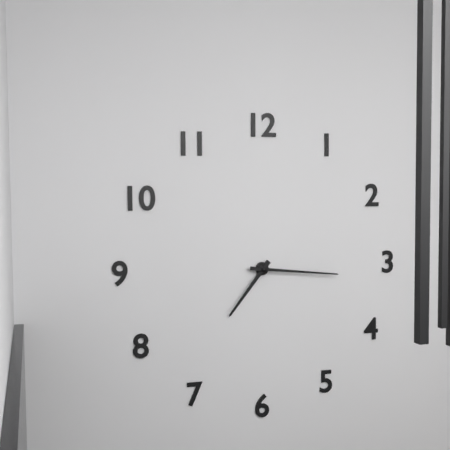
7,16
